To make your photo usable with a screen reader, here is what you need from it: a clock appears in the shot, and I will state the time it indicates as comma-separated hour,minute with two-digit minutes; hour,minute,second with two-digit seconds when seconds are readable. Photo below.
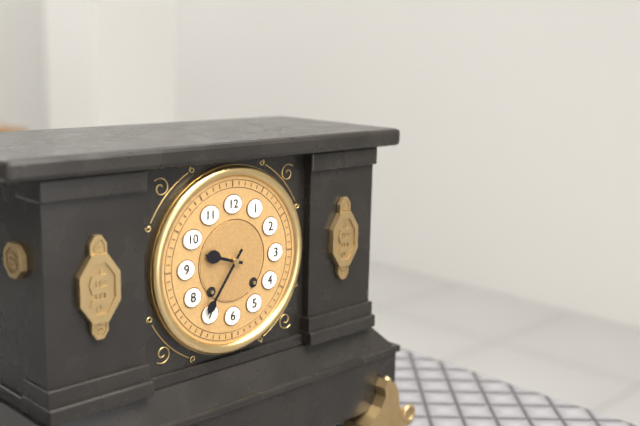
9,36
